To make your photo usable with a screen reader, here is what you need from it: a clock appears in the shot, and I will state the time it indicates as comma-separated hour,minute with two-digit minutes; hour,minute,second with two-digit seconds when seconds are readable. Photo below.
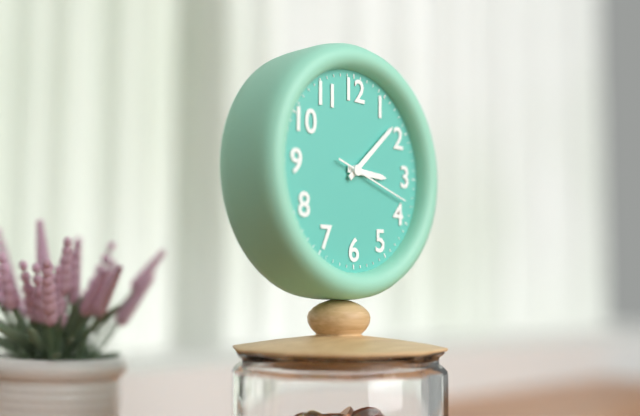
3,08,18
